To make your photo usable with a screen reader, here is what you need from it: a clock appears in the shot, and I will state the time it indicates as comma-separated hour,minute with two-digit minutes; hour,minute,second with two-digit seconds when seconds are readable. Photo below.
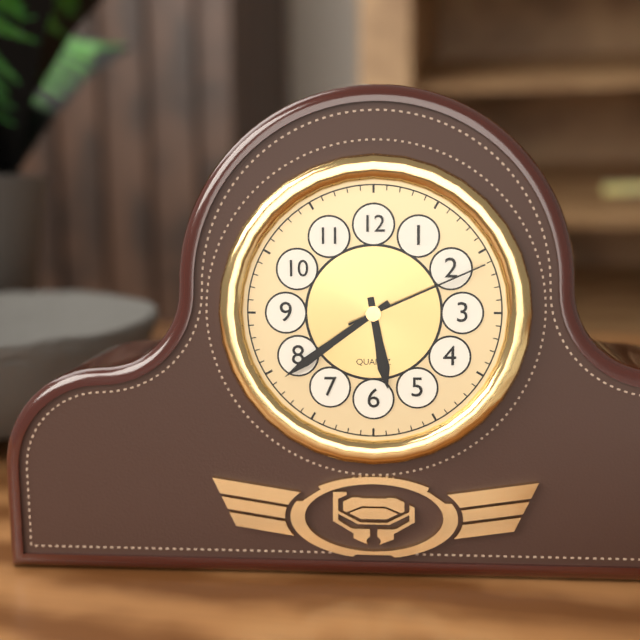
5,39,11
